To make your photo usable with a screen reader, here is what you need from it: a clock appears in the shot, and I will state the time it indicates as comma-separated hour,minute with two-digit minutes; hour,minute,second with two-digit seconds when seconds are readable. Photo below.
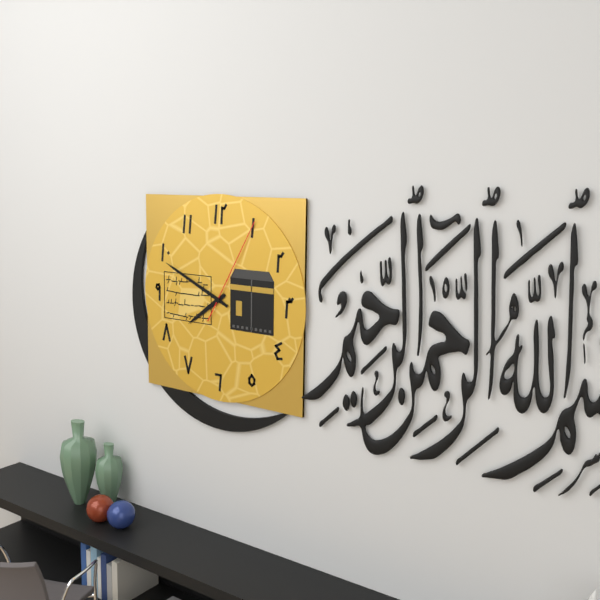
7,49,05
